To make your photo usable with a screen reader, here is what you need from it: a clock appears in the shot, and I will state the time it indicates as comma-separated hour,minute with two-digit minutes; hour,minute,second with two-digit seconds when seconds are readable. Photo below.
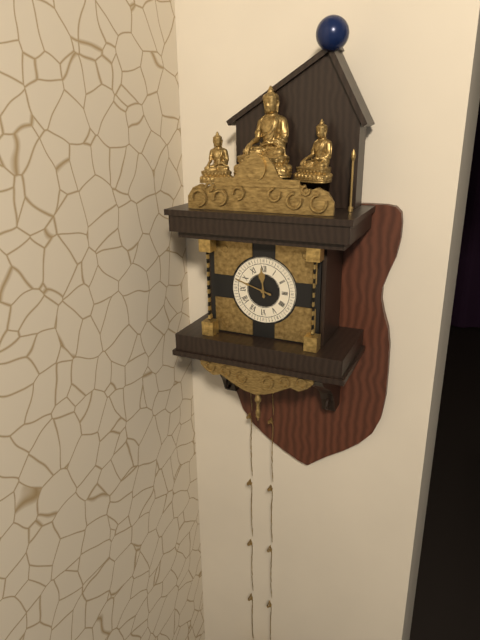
11,48
